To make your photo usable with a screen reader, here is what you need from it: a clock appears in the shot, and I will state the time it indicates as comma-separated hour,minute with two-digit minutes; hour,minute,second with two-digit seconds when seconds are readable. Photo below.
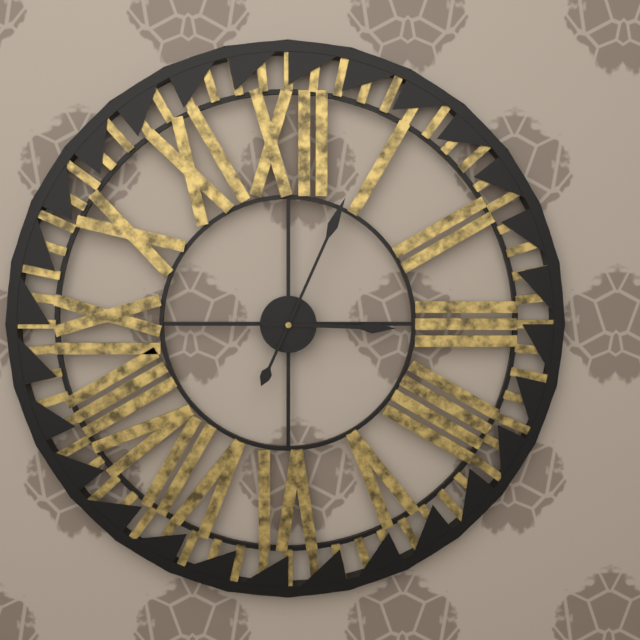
3,04
